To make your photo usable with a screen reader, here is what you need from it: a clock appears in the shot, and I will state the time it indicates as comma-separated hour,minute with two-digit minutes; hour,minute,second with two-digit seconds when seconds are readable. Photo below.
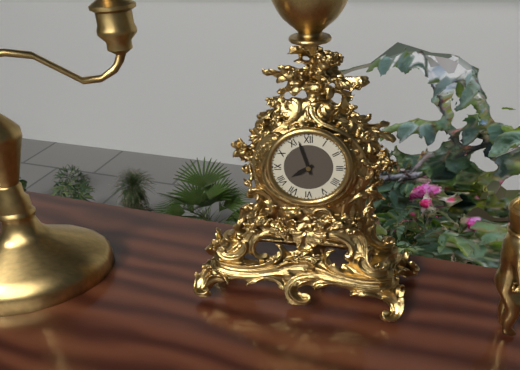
7,57
